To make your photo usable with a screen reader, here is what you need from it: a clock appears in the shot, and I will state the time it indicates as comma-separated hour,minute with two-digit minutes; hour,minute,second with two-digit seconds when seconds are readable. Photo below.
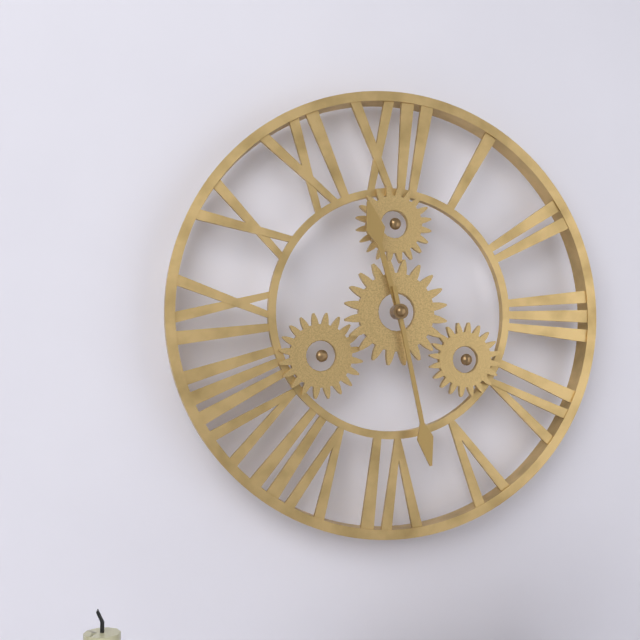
11,28
